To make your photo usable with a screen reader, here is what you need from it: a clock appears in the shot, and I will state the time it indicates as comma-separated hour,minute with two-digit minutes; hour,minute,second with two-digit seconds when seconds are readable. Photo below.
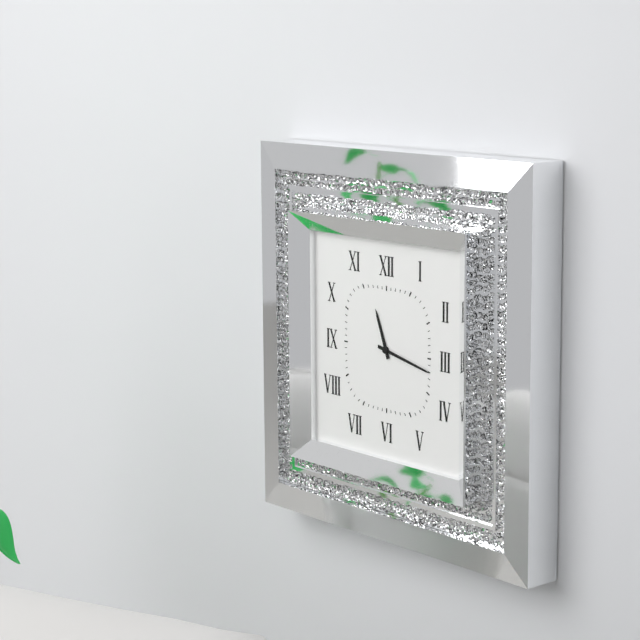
11,17
